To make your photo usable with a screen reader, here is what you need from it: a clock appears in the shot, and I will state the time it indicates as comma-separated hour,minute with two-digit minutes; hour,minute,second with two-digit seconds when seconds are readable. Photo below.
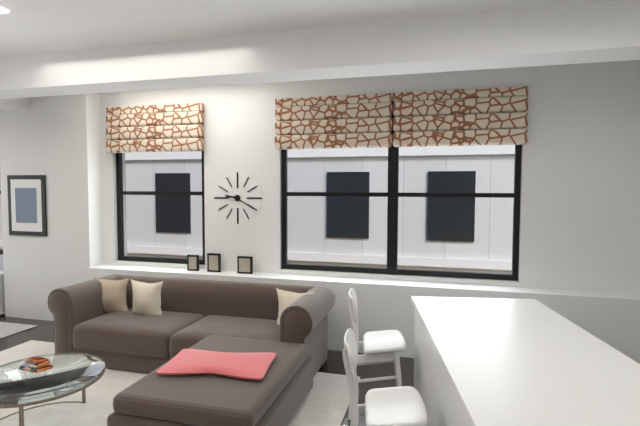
9,20
